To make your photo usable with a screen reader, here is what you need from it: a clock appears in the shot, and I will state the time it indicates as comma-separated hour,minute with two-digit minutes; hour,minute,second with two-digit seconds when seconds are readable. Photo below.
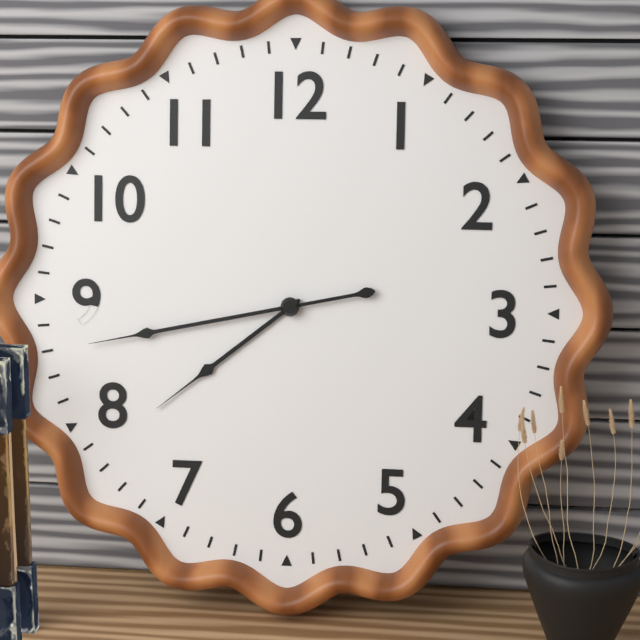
7,43
